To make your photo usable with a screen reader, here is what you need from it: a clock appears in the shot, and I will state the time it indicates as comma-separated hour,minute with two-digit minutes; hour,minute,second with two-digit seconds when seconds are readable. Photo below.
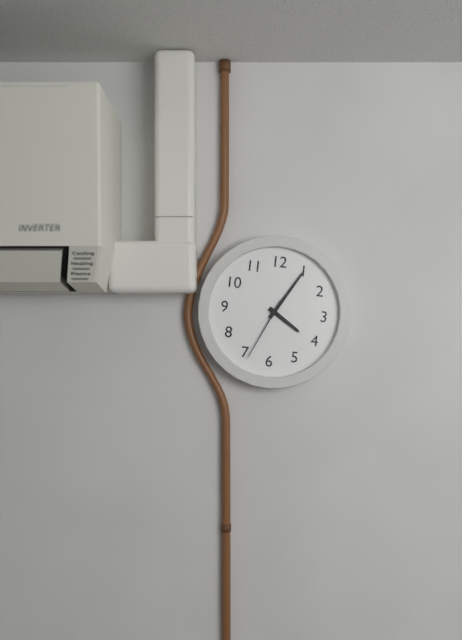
4,05,34
